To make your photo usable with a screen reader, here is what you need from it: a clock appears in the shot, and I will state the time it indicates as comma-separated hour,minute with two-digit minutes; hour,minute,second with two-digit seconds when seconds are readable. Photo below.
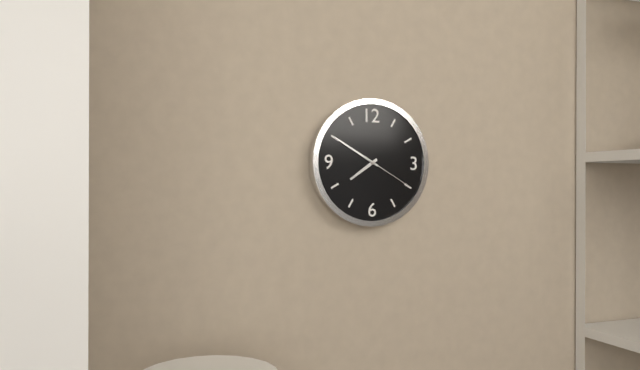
7,50,20
